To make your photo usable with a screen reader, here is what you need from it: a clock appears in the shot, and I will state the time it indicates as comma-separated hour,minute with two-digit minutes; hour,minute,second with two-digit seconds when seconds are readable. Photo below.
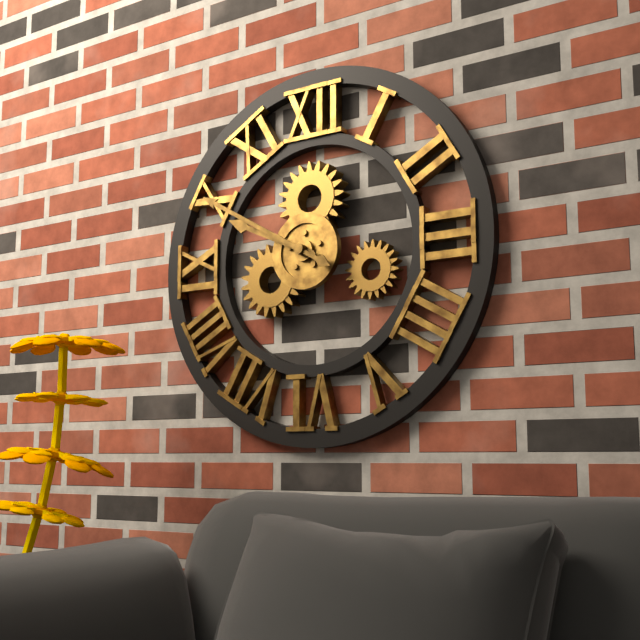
9,50
